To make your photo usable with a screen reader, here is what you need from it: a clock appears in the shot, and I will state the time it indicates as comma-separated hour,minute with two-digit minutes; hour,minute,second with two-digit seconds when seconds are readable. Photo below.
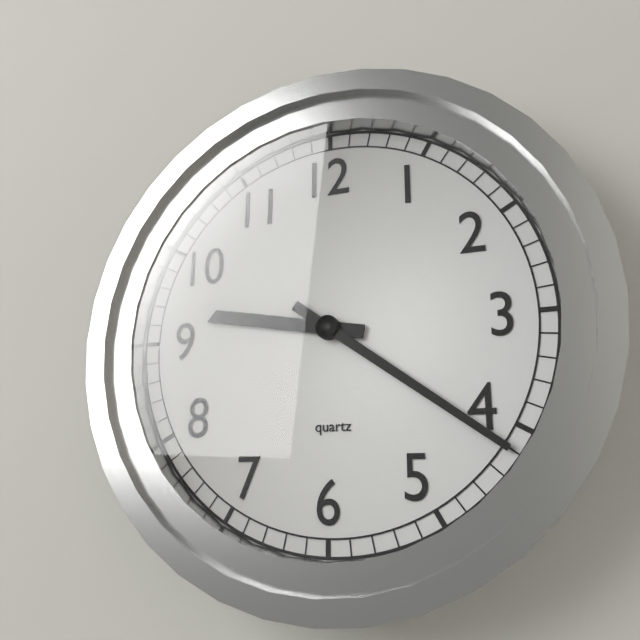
9,21
